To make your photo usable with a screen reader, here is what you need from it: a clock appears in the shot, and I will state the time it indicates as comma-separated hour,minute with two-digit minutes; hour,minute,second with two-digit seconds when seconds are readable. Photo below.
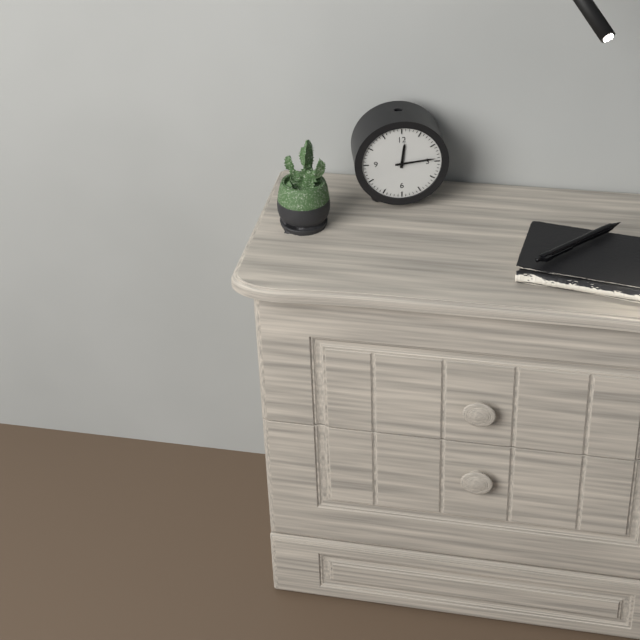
12,14
